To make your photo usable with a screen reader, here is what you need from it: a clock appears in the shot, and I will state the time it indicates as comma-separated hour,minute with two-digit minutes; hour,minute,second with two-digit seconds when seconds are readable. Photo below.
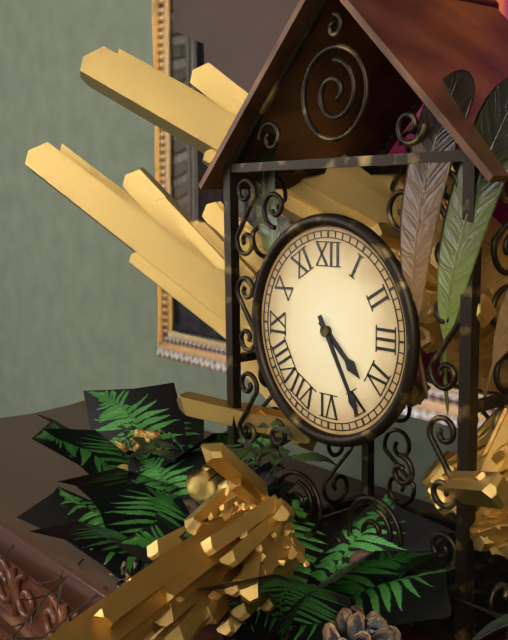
4,25
